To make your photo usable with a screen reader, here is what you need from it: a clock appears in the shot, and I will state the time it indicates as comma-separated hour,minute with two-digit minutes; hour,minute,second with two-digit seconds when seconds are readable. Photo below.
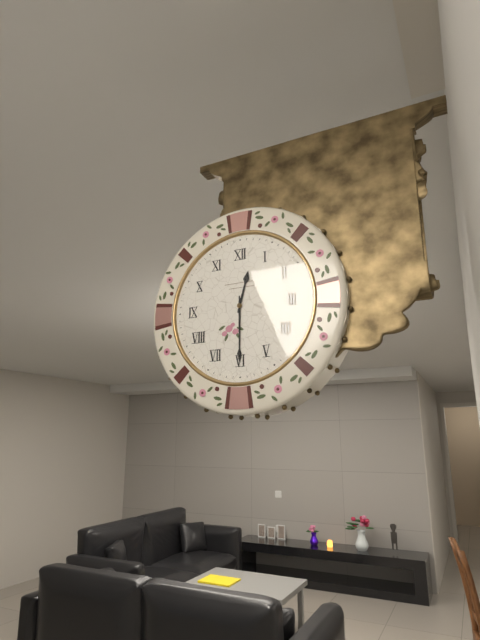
12,30
